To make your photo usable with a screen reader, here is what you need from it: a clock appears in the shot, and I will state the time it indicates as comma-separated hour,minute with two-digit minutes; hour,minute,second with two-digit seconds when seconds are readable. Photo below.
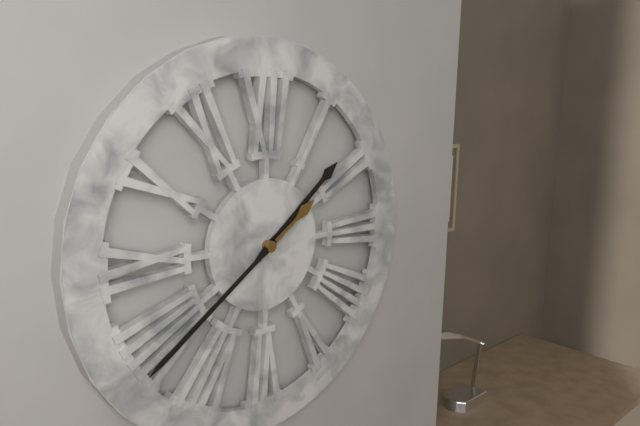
1,39
